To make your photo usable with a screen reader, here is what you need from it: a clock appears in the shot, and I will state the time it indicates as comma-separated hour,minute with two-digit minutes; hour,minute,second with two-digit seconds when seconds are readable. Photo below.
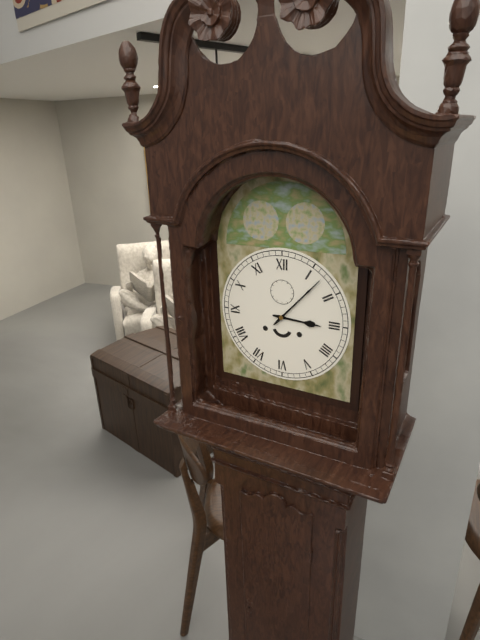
3,07
